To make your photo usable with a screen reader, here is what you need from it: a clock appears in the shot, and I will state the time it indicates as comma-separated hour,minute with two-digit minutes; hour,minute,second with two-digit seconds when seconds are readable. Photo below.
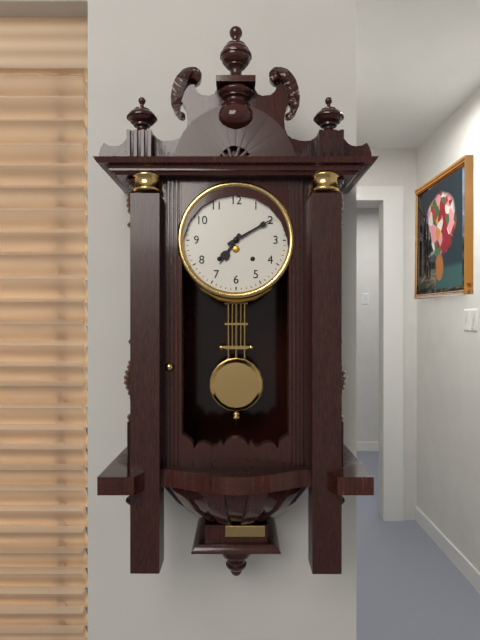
7,10
